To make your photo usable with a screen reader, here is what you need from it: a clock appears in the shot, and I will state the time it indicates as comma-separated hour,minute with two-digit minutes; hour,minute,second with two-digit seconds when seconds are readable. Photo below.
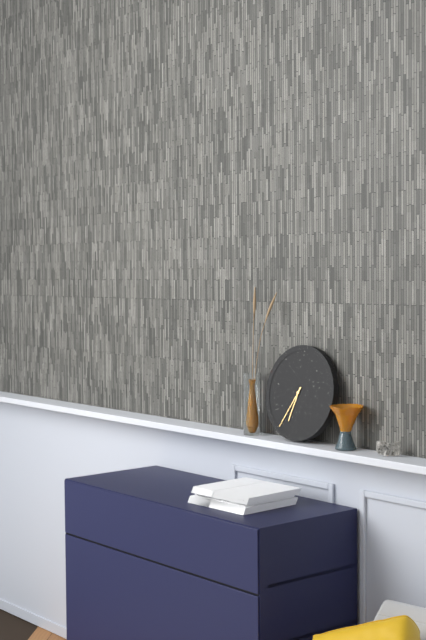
6,35
